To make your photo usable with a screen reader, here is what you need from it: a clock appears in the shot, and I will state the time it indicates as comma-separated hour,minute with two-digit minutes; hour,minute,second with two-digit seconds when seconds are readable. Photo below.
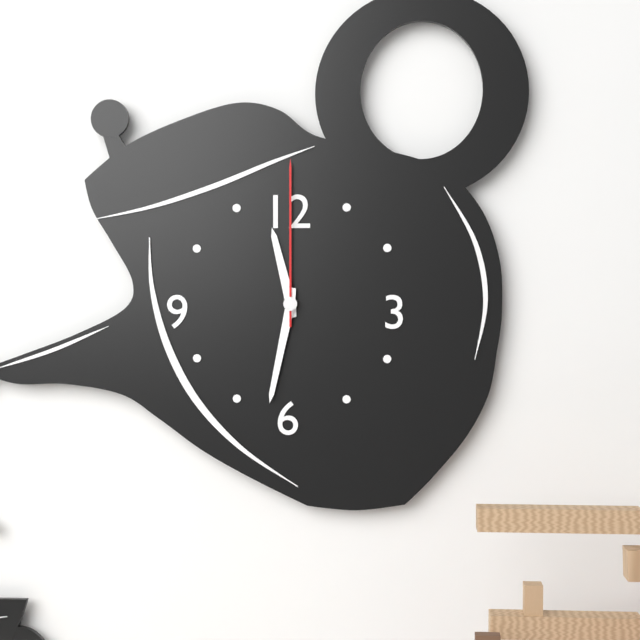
11,32,00
